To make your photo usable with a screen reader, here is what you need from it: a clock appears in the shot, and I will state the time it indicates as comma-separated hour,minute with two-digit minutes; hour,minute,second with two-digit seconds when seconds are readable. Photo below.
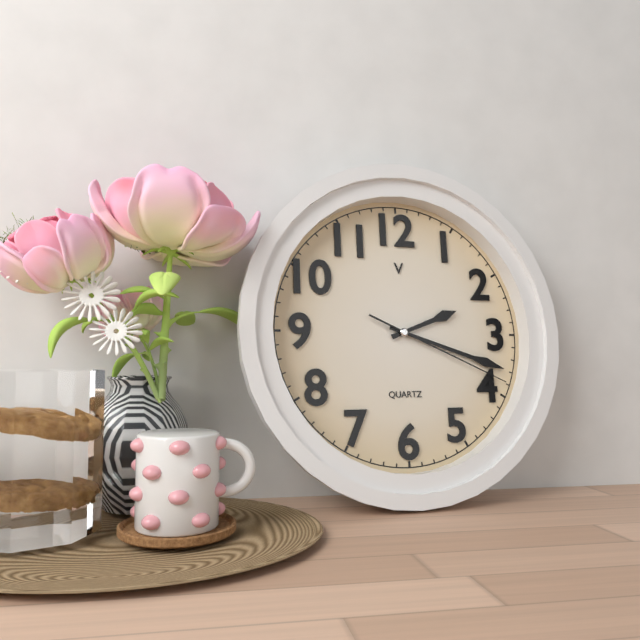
2,18,19
